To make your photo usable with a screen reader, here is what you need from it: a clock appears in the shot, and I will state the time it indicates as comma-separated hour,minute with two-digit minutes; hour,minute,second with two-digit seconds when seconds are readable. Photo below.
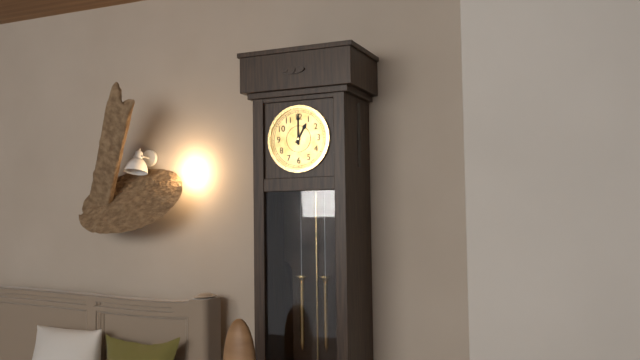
1,00
